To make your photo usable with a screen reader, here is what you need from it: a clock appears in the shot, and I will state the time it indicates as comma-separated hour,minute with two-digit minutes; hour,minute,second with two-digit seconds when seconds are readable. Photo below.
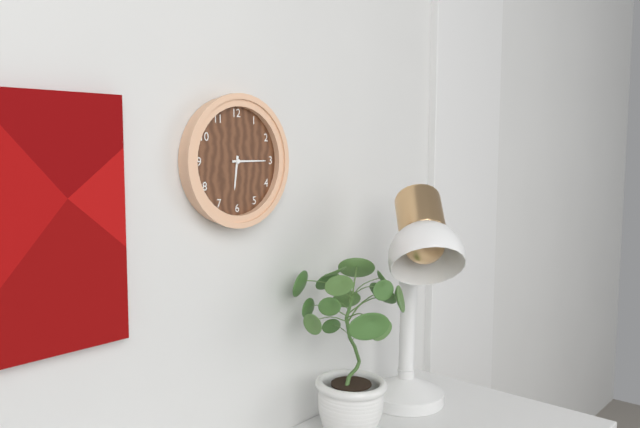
6,15
